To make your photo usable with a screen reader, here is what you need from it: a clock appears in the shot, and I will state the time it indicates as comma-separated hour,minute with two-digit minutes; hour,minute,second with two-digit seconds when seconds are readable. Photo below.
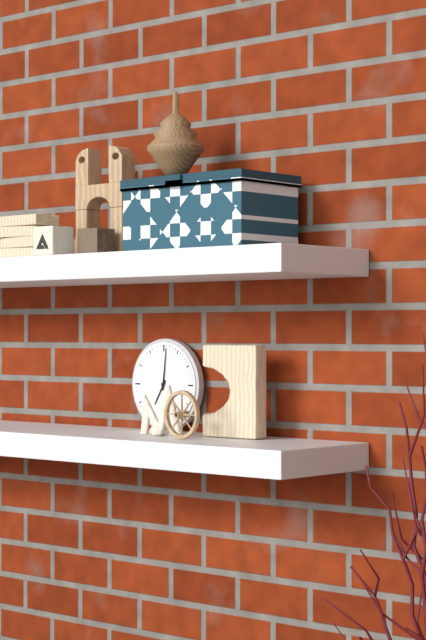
7,01
